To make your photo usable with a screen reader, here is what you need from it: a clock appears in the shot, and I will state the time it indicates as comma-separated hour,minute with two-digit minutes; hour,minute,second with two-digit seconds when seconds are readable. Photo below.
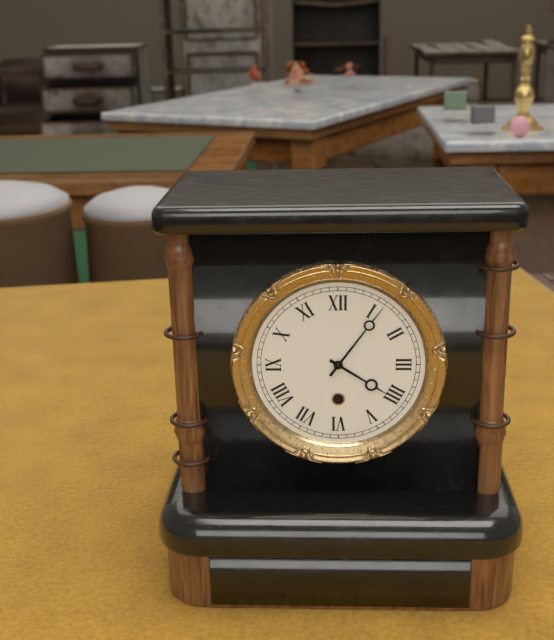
4,06
